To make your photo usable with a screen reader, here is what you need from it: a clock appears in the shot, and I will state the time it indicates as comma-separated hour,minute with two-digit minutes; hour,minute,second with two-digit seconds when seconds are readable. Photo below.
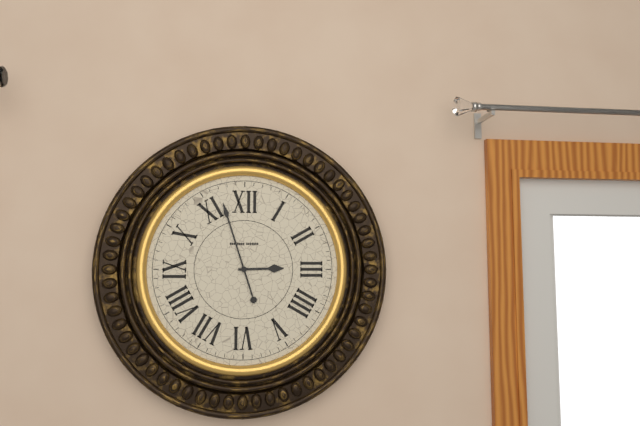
2,57
